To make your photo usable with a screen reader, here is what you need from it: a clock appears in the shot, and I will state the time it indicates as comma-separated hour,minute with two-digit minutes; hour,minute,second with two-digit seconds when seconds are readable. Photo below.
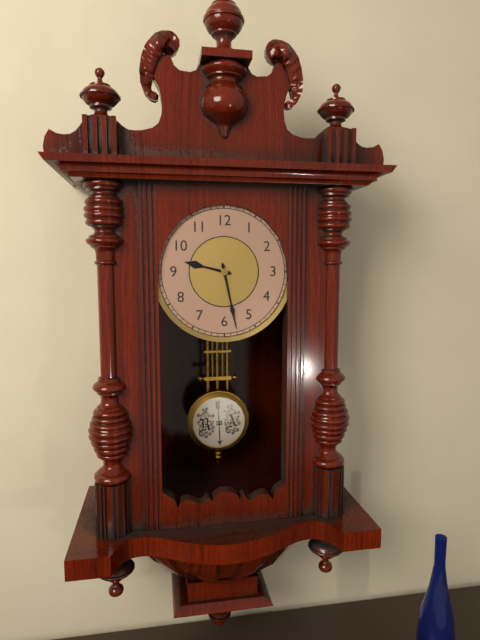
9,28
